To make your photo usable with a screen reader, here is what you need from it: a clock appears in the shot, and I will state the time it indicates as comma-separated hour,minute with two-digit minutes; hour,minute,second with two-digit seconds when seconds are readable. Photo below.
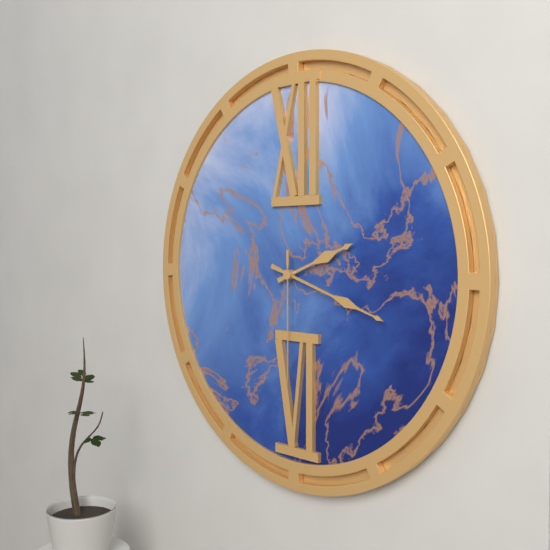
2,18,30
